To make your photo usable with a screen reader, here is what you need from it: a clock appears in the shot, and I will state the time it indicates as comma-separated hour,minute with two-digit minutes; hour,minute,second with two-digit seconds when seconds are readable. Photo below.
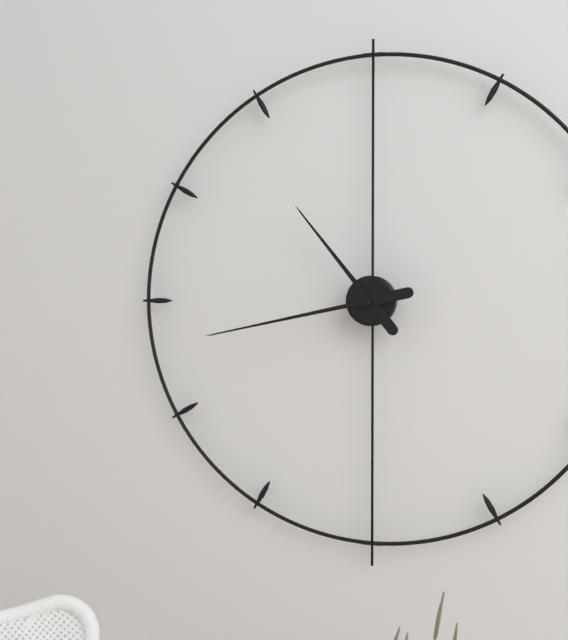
10,43
